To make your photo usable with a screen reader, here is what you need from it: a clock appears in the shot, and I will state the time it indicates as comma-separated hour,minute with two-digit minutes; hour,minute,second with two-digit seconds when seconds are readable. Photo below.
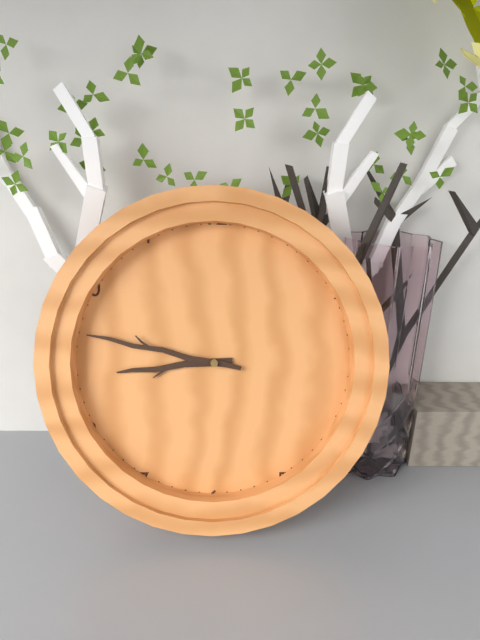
8,47
